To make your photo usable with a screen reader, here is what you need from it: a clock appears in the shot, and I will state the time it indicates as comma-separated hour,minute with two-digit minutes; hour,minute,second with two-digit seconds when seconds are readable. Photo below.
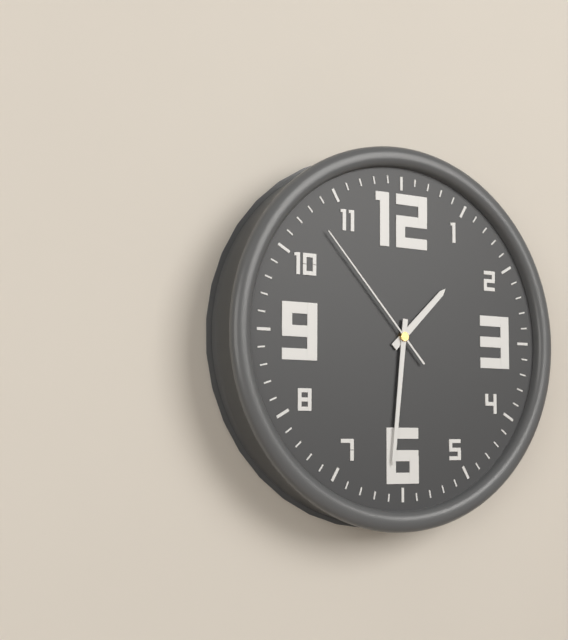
1,31,53
